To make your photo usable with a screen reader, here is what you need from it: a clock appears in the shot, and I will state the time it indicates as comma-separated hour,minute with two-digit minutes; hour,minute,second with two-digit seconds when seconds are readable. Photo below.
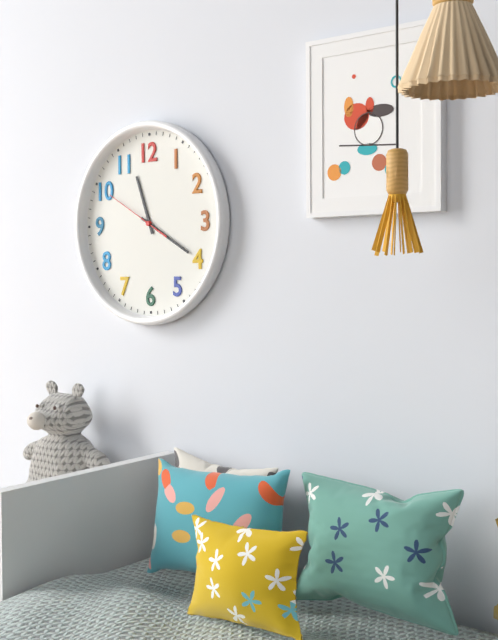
11,20,50
